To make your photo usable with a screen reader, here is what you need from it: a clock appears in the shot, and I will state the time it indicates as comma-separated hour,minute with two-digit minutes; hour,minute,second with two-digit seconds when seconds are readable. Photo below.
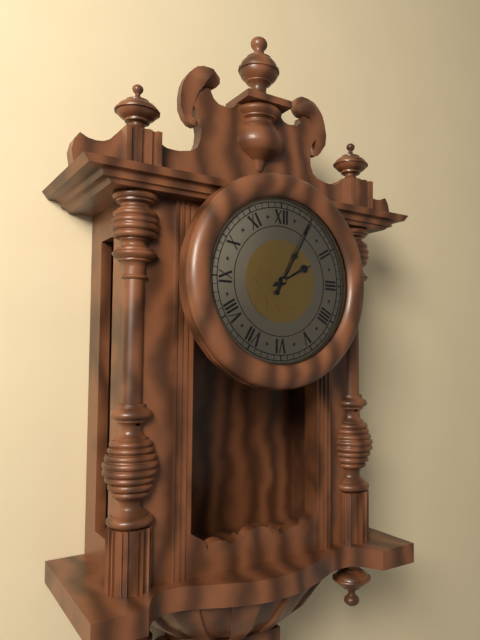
2,05
